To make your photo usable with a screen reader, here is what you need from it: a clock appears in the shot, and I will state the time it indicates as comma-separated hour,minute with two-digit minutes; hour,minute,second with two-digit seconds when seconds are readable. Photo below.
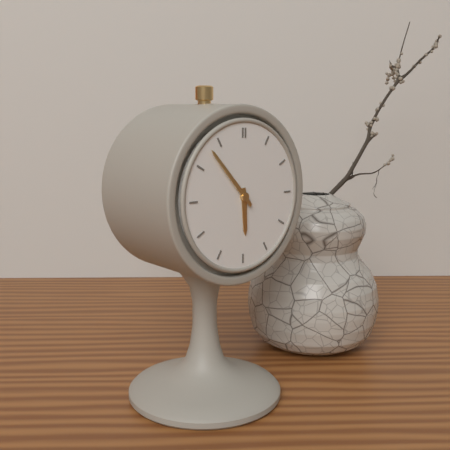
5,53
